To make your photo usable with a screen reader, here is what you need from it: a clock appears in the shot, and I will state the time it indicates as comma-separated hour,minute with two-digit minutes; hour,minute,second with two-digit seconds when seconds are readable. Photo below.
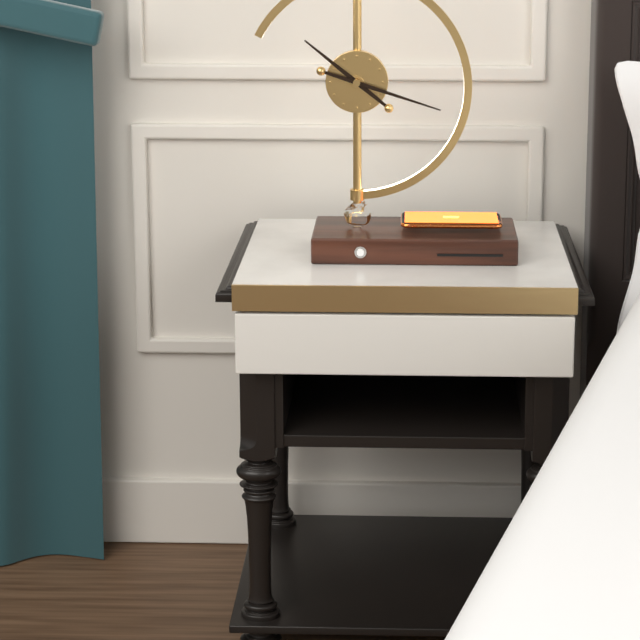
10,18
